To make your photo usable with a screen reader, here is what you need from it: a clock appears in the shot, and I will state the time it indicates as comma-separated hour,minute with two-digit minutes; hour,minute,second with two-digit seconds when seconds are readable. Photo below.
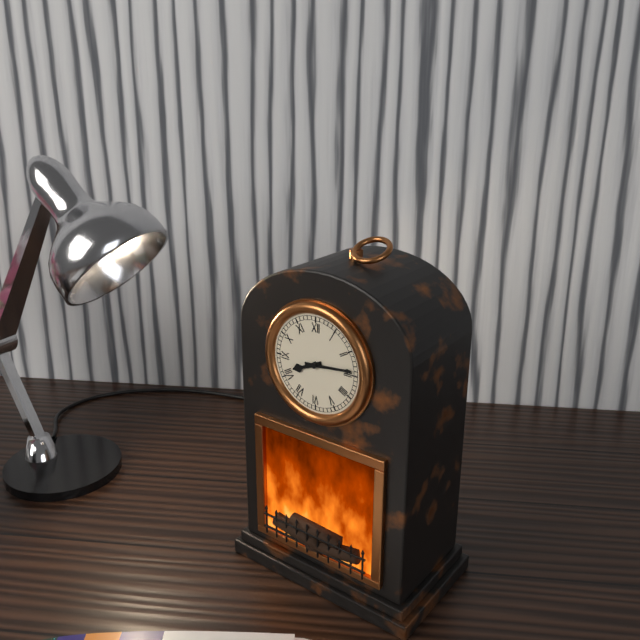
8,14
